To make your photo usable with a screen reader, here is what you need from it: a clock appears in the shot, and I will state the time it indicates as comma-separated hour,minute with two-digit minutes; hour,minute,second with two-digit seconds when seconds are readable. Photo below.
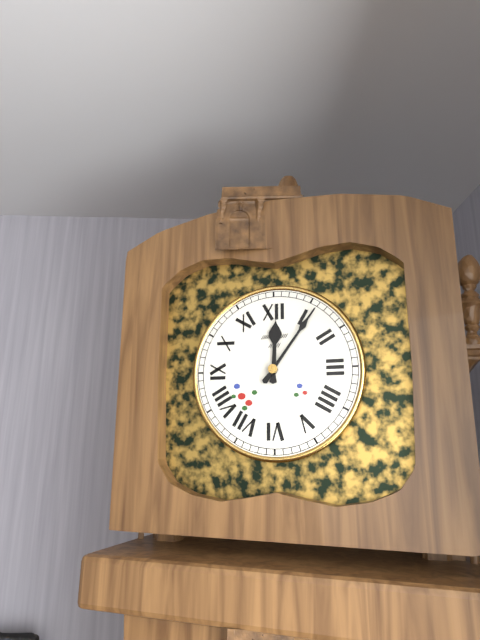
12,06
